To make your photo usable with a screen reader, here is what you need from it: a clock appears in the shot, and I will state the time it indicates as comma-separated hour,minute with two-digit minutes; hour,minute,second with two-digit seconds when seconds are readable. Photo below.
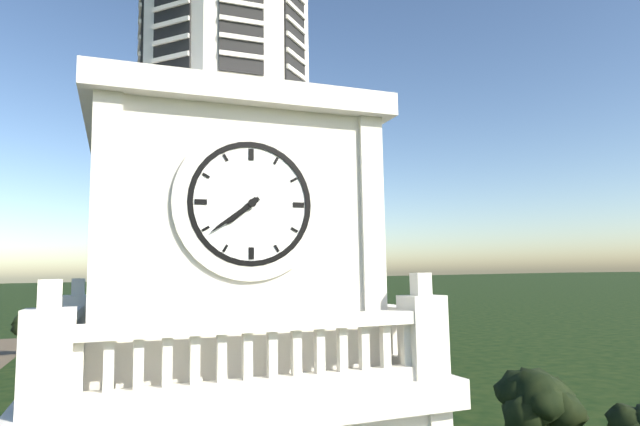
7,39
